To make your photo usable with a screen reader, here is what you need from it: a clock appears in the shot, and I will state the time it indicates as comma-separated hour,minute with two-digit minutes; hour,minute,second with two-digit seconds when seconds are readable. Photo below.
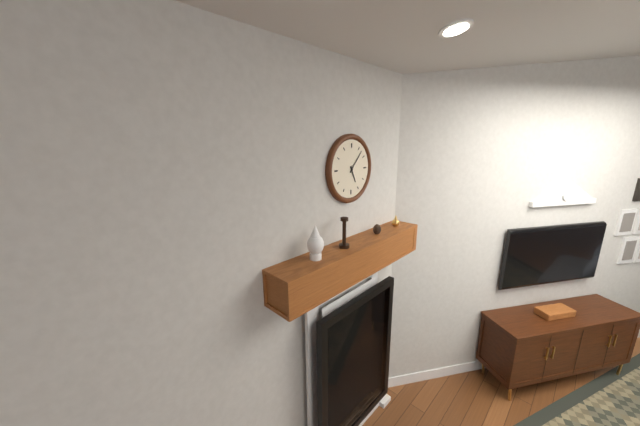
5,07
